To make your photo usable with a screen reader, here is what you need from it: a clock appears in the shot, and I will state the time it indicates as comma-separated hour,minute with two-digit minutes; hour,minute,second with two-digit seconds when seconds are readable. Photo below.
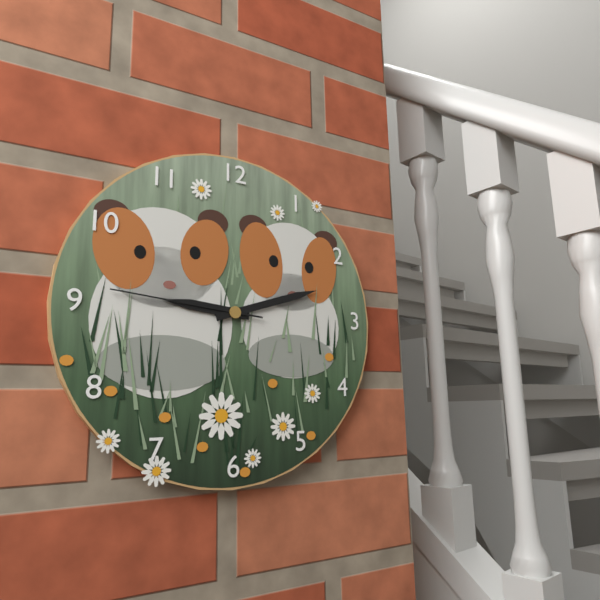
9,12,46
